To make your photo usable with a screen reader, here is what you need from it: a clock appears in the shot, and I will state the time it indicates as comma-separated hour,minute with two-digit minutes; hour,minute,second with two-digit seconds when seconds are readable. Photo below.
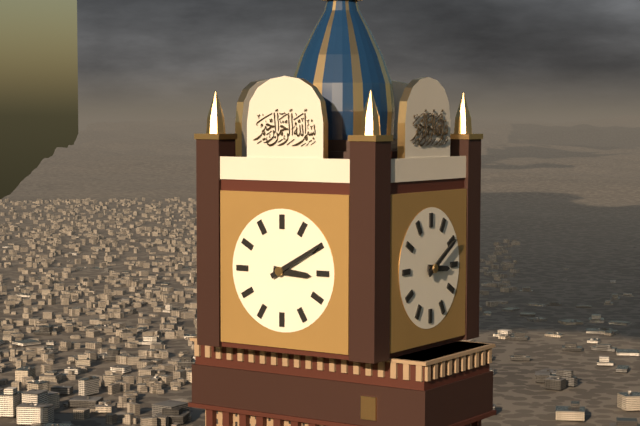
3,10
